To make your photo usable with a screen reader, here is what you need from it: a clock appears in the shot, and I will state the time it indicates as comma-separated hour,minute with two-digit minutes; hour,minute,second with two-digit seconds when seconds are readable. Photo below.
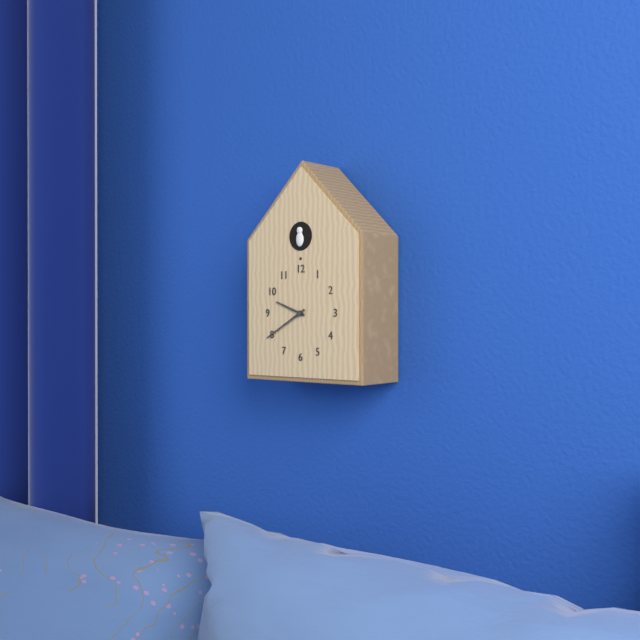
9,40
